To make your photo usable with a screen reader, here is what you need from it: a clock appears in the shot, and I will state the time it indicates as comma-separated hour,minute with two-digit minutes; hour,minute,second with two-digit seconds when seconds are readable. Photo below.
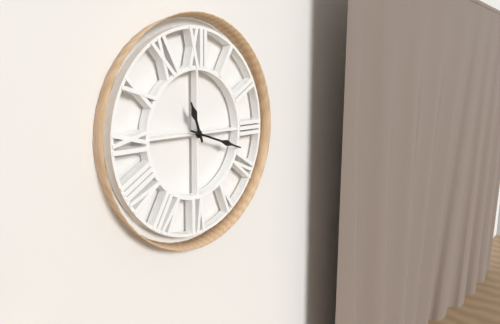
11,18
